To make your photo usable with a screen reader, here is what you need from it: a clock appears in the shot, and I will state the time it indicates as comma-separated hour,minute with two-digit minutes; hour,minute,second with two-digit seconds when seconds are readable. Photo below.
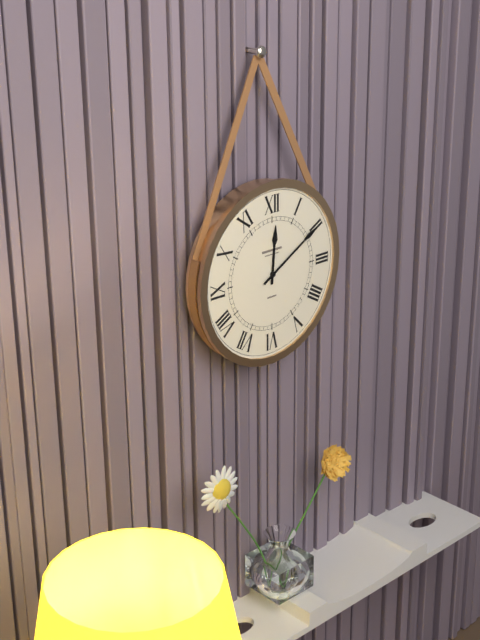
12,10
